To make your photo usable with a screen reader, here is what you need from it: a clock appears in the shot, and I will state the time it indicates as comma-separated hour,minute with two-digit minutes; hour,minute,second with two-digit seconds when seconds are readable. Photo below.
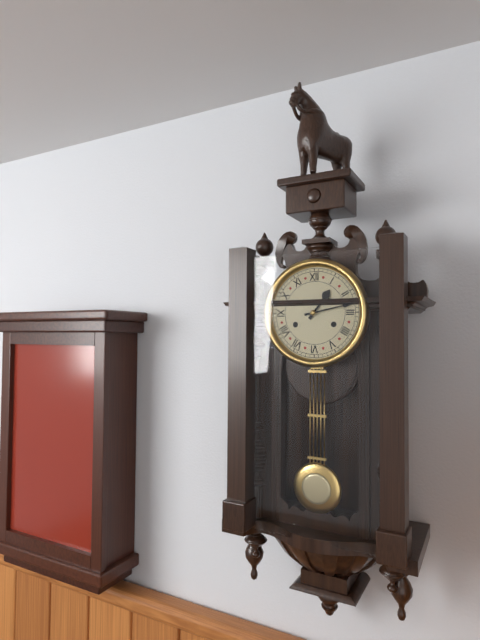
1,13
